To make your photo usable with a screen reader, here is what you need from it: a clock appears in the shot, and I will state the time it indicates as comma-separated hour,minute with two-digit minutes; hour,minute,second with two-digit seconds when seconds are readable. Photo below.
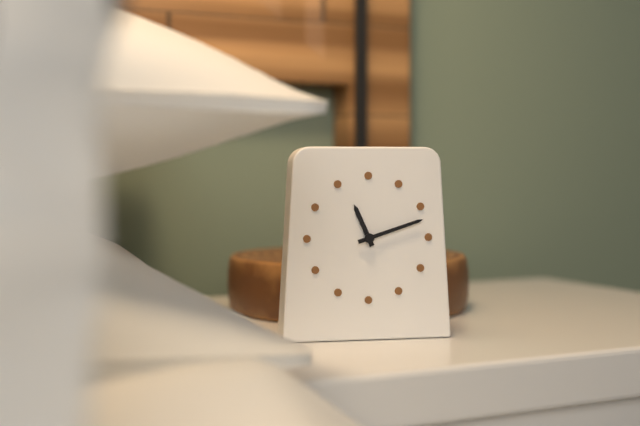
11,12
